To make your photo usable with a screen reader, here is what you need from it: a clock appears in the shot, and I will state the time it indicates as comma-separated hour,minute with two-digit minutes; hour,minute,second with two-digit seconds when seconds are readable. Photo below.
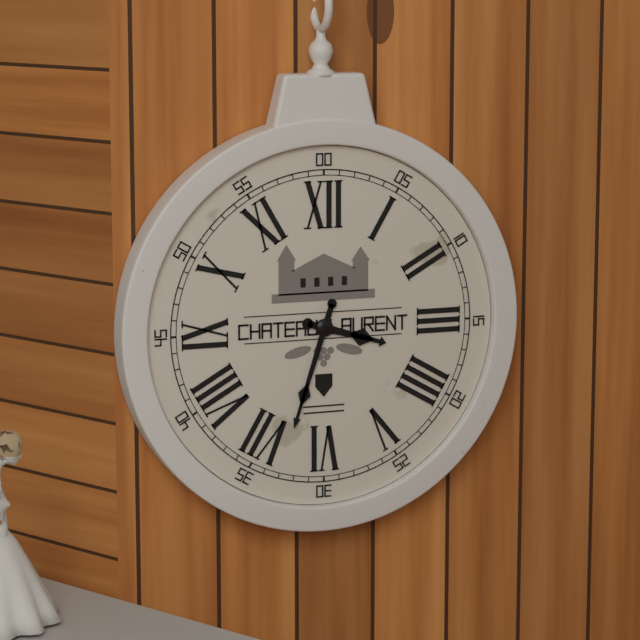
3,33
